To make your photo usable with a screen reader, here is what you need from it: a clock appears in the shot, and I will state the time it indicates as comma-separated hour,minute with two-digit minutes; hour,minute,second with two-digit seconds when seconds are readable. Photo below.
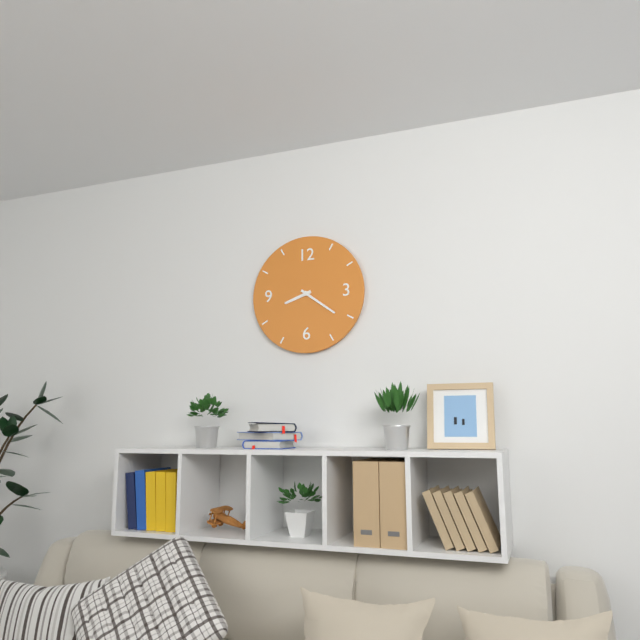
8,21
